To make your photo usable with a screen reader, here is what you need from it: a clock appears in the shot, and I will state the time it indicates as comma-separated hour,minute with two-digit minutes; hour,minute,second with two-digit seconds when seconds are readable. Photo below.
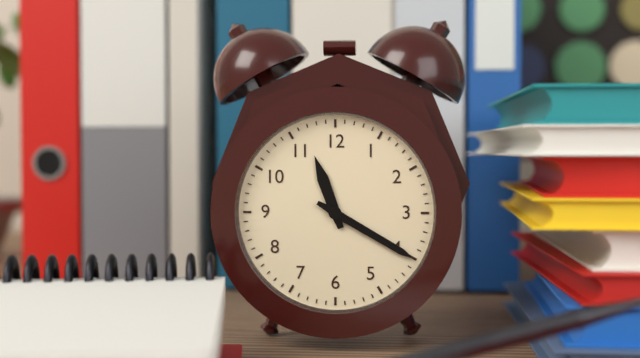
11,20
